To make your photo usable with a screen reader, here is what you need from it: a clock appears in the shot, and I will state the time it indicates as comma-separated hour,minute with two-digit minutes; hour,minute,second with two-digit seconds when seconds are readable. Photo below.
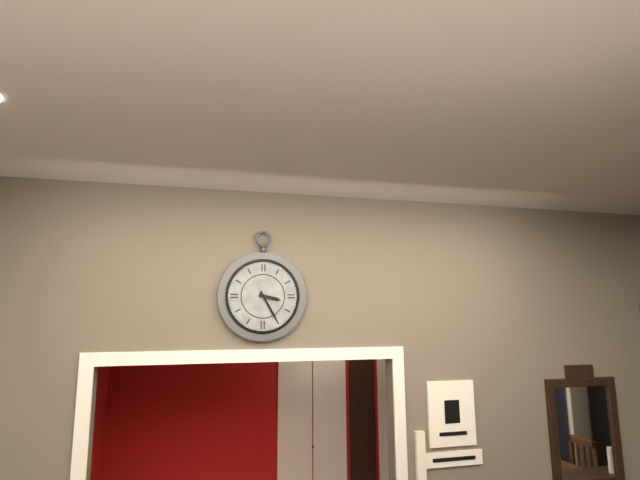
3,25
